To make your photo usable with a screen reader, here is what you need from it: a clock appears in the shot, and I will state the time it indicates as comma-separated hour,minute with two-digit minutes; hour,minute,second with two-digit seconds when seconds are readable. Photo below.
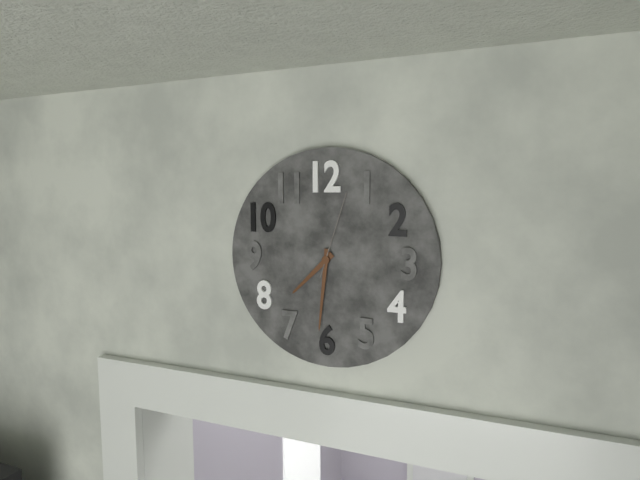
7,31,03
